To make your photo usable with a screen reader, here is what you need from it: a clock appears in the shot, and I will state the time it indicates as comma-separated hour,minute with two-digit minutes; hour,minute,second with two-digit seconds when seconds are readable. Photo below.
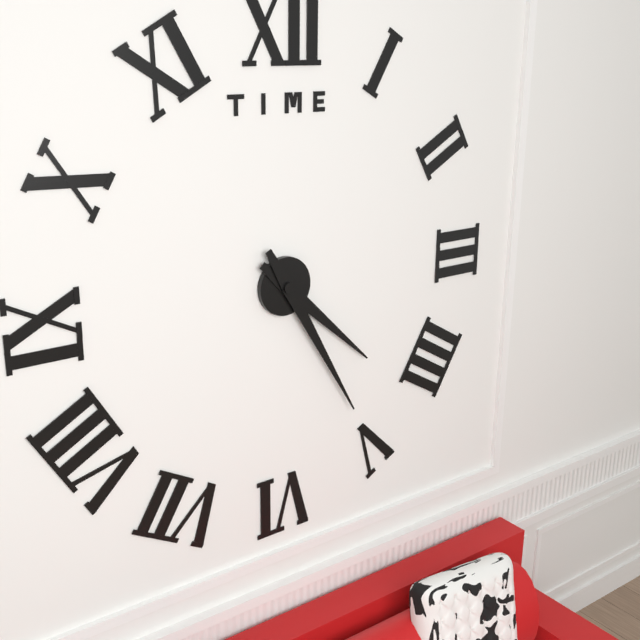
4,25
